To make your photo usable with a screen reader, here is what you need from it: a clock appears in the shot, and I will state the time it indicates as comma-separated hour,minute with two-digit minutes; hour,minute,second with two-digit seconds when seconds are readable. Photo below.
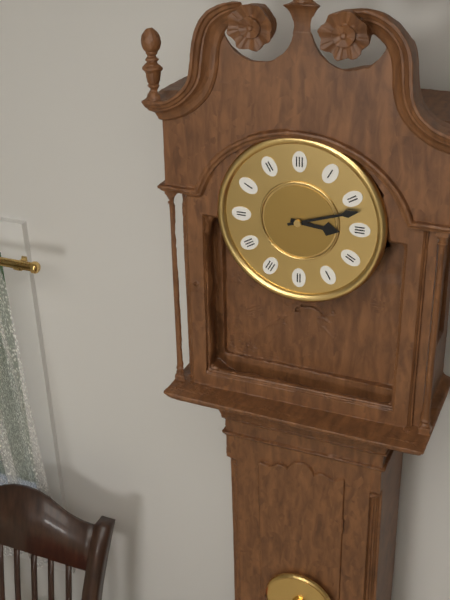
3,12
